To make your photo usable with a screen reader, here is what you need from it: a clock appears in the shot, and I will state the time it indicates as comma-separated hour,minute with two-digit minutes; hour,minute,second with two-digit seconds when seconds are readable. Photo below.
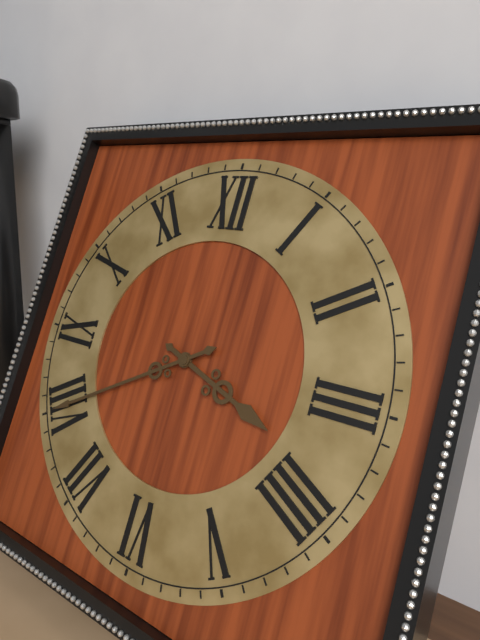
3,40
